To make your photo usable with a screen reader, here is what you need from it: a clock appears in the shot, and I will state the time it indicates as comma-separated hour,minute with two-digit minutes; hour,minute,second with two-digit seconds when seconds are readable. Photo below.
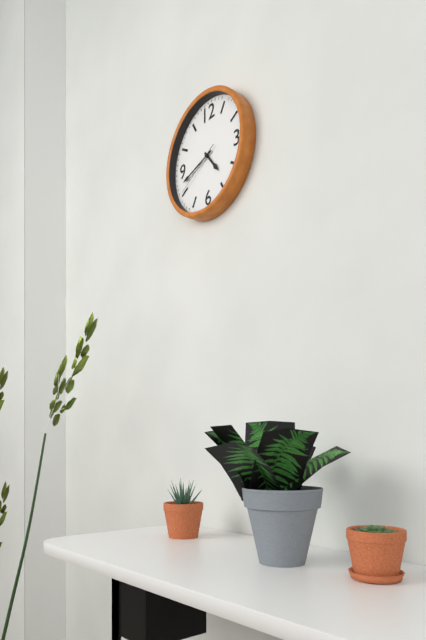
4,42,40
